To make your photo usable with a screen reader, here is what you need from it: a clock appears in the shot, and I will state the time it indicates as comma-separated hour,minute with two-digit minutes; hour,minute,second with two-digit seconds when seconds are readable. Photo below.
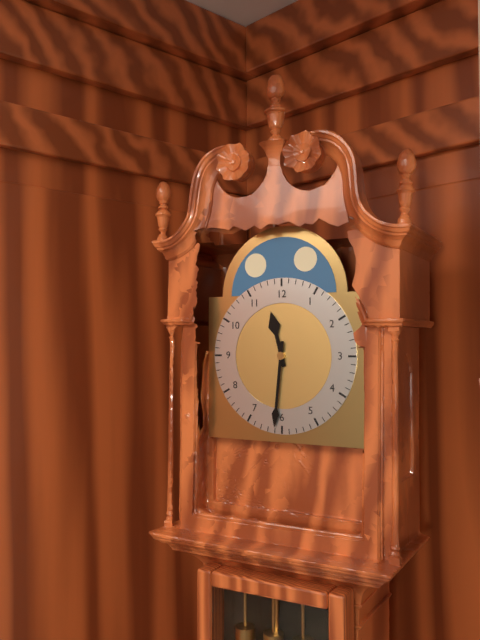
11,31
